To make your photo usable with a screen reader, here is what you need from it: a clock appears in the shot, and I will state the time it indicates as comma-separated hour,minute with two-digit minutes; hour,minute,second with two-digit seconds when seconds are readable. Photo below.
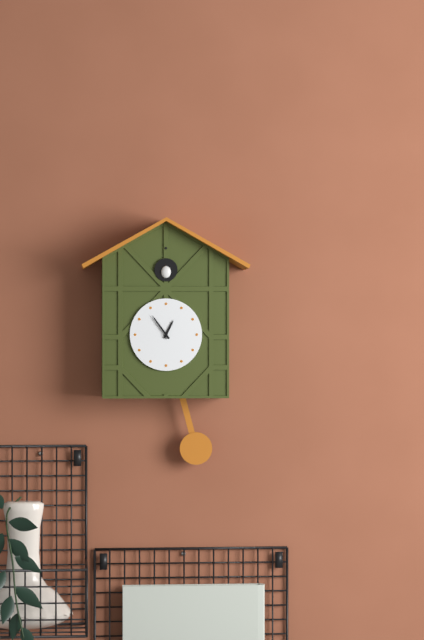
12,54
